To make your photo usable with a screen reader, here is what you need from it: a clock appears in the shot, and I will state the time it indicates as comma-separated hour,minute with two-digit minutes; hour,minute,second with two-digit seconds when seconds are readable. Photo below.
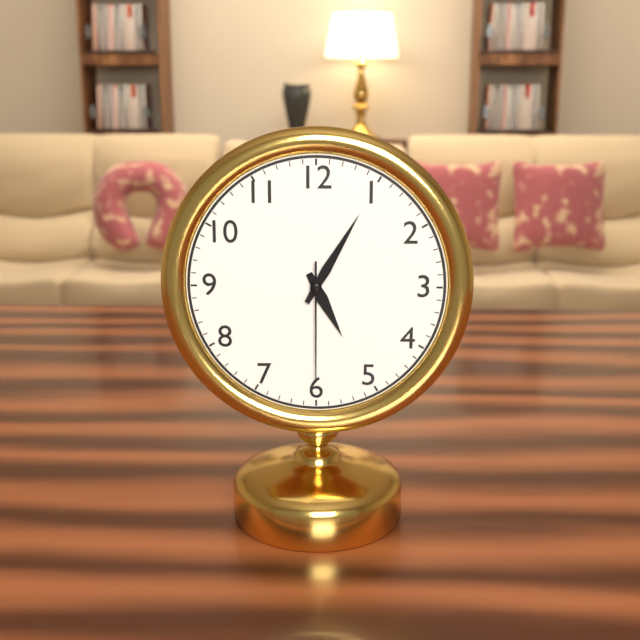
5,05,30
